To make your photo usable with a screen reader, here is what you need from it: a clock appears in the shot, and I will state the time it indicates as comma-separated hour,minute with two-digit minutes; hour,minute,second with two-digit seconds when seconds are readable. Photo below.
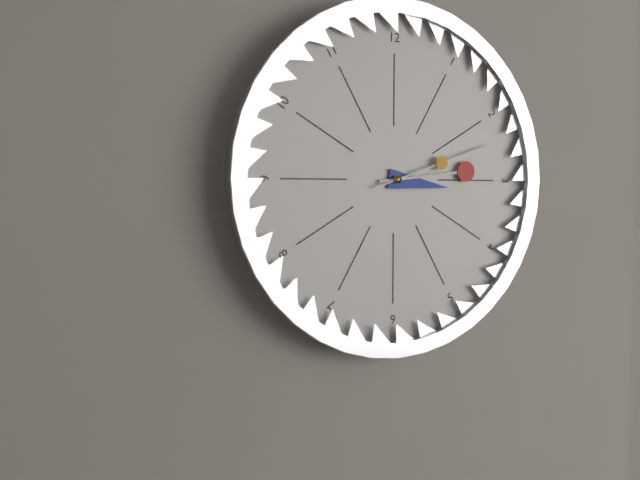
3,14,12
